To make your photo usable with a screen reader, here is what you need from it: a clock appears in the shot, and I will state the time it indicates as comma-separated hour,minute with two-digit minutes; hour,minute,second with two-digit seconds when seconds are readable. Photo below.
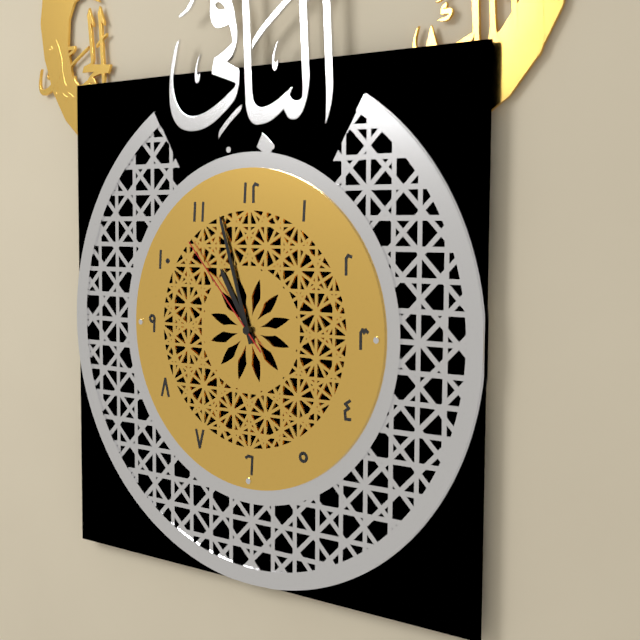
10,57,53
